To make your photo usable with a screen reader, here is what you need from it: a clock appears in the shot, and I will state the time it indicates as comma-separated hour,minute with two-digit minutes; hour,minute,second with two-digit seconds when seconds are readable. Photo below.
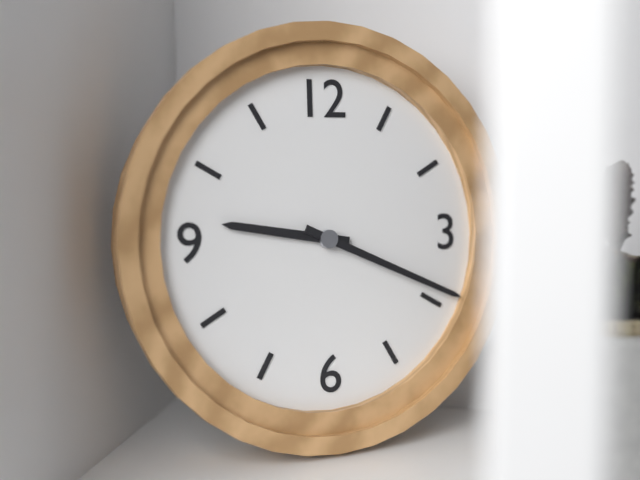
9,19
